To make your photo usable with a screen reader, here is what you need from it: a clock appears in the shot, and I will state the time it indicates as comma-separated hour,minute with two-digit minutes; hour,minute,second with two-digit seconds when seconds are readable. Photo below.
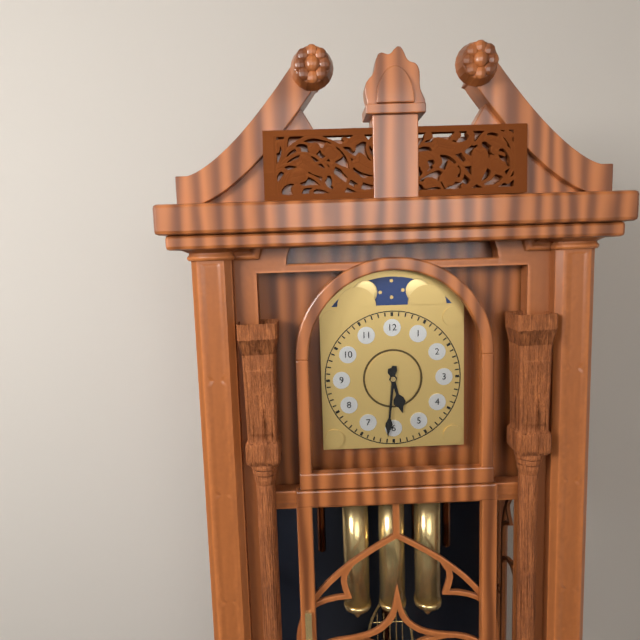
5,31
